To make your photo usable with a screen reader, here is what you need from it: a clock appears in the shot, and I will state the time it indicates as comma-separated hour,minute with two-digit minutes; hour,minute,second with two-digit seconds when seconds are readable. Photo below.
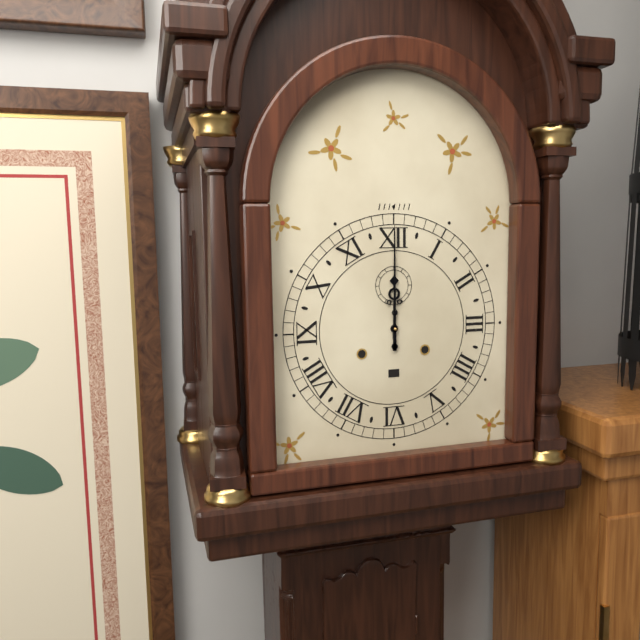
12,00
